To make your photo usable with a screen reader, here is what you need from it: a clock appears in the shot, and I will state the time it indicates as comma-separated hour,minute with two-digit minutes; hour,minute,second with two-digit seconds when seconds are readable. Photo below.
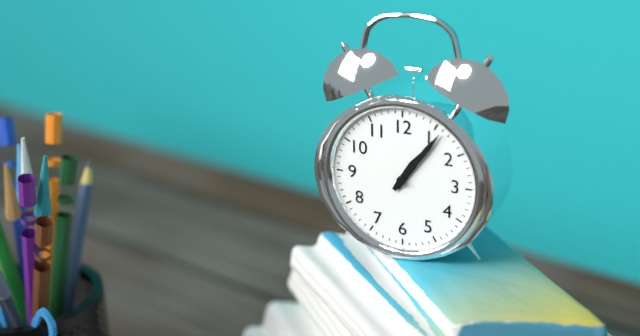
1,06
